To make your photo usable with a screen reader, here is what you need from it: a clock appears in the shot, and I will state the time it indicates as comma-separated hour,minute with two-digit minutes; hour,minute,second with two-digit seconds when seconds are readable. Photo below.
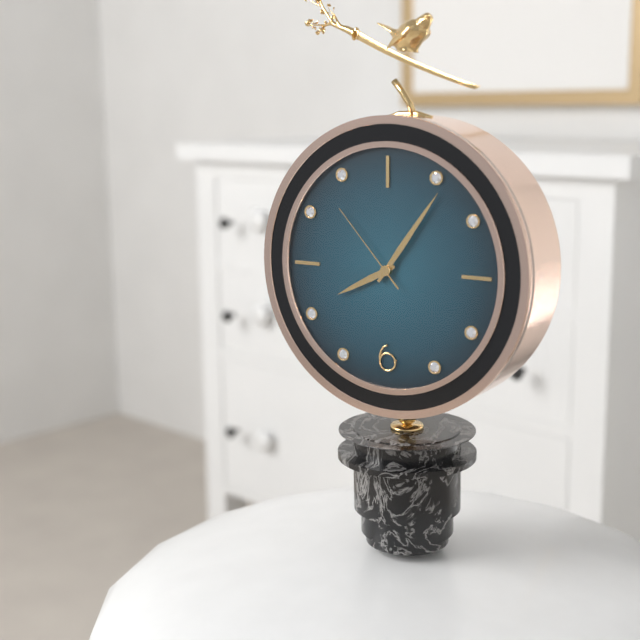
8,06,53
